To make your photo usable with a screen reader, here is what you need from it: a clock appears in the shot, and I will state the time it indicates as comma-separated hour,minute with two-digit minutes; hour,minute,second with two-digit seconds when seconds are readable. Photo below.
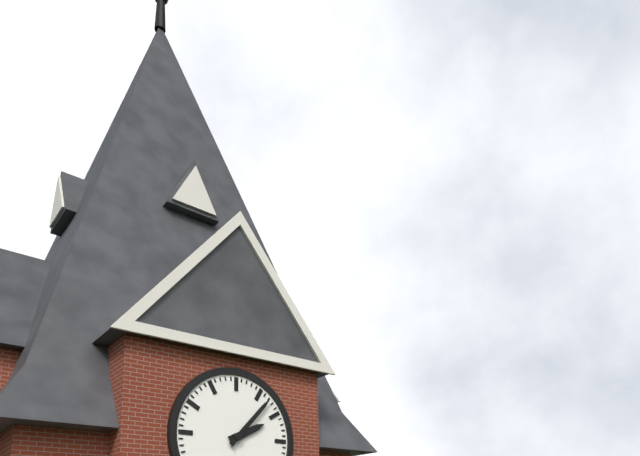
2,07
